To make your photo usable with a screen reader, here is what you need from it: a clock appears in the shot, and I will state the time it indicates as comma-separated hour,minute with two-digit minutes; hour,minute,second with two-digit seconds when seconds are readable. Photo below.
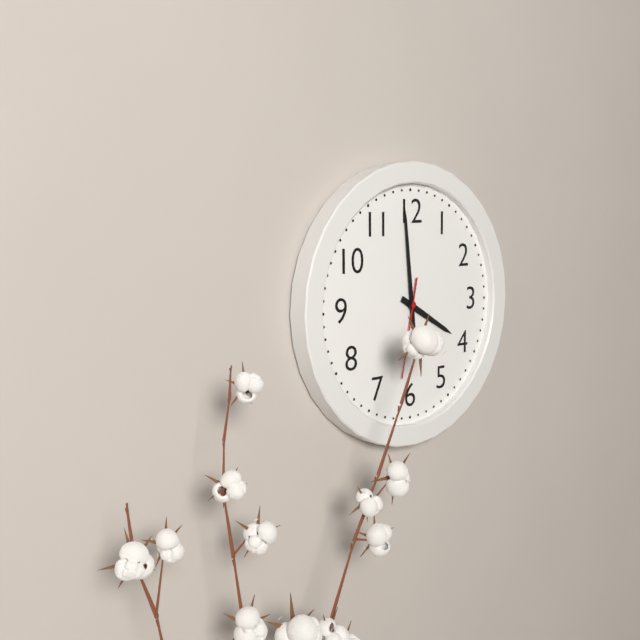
3,59,32
